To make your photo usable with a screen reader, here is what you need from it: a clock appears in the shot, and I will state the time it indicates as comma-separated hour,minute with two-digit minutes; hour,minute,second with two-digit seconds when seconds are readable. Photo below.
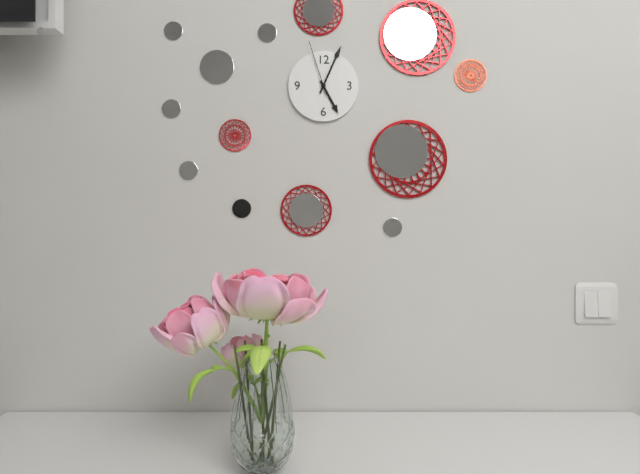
5,04,57
